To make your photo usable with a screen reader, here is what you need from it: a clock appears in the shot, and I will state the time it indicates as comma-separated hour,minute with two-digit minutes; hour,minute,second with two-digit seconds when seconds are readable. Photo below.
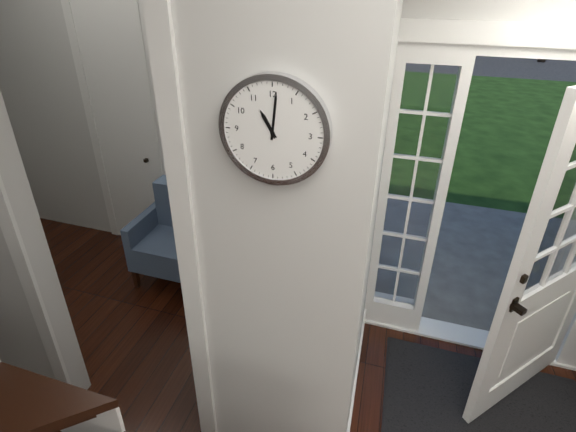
11,01
